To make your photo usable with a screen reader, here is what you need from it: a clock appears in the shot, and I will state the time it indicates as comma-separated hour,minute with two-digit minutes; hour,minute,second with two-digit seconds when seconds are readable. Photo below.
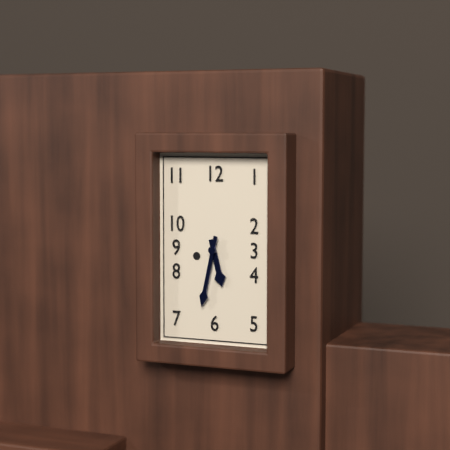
5,32
